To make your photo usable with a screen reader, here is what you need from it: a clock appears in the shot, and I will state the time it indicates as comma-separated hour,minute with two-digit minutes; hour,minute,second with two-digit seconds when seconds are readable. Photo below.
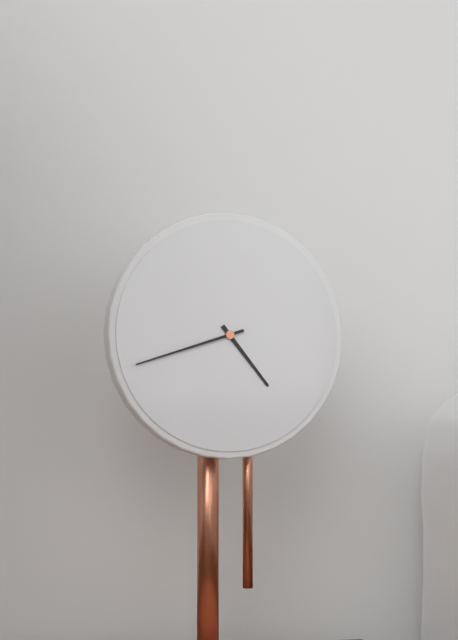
4,42
